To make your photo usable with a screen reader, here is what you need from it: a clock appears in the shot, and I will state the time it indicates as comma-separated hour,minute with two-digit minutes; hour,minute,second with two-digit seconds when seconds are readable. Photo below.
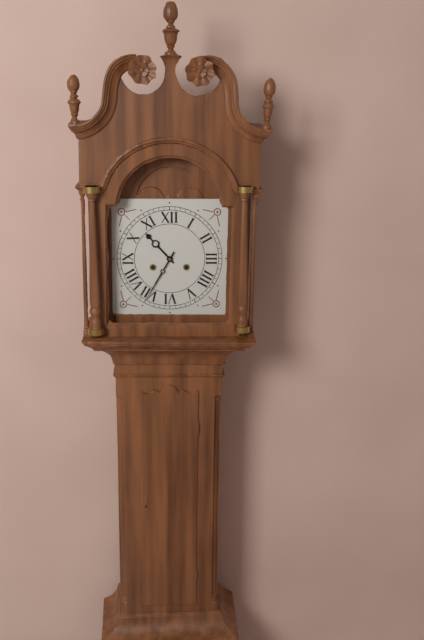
10,35
